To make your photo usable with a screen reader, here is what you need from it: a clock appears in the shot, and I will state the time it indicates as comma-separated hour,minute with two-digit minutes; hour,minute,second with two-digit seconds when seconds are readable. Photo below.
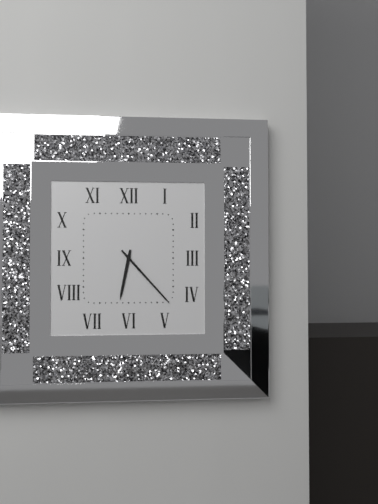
6,23
